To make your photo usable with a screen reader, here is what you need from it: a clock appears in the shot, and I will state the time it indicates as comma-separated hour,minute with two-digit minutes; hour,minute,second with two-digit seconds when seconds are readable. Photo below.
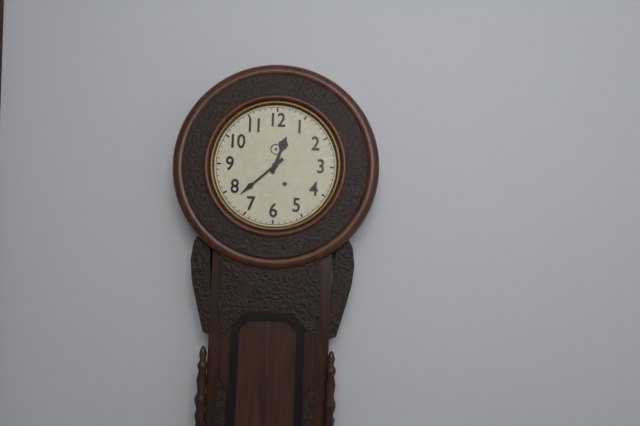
12,38
